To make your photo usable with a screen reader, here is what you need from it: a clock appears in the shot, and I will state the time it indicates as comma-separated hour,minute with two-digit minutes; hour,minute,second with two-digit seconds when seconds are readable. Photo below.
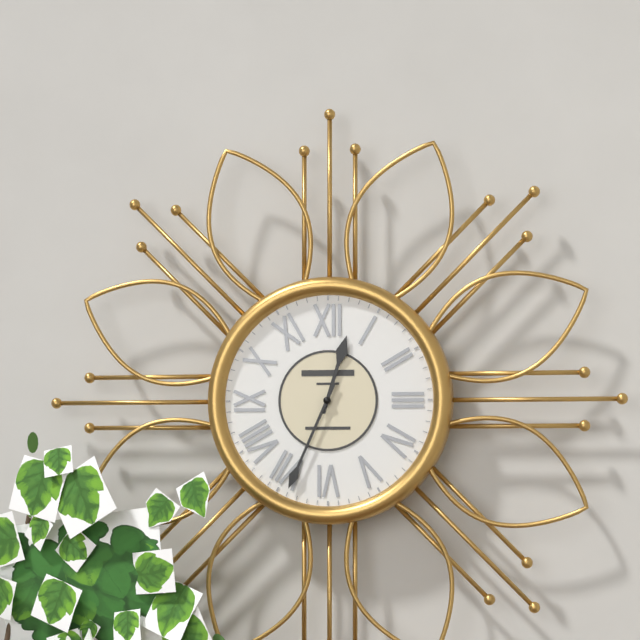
12,34
